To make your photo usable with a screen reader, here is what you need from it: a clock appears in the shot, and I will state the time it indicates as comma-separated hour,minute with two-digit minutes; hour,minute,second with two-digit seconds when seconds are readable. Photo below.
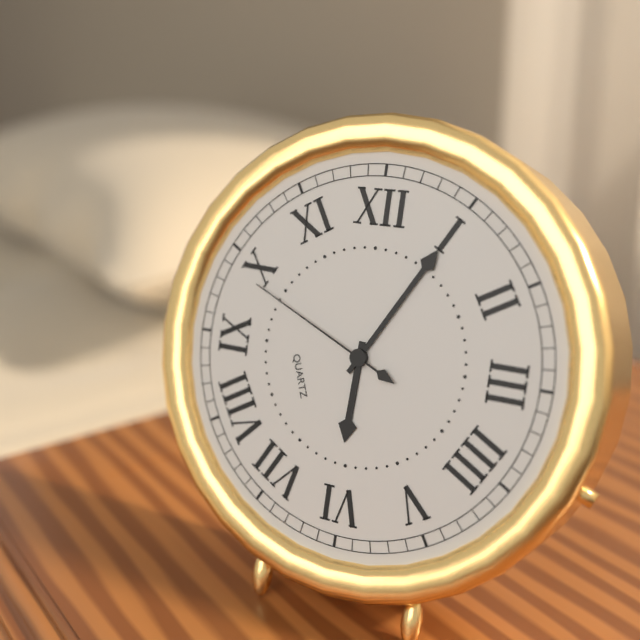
6,05,49
